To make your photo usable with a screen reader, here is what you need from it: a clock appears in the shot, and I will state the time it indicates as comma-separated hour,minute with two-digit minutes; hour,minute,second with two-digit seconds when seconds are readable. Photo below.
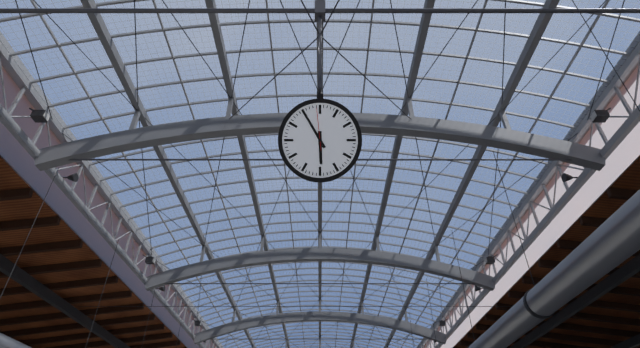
5,55
